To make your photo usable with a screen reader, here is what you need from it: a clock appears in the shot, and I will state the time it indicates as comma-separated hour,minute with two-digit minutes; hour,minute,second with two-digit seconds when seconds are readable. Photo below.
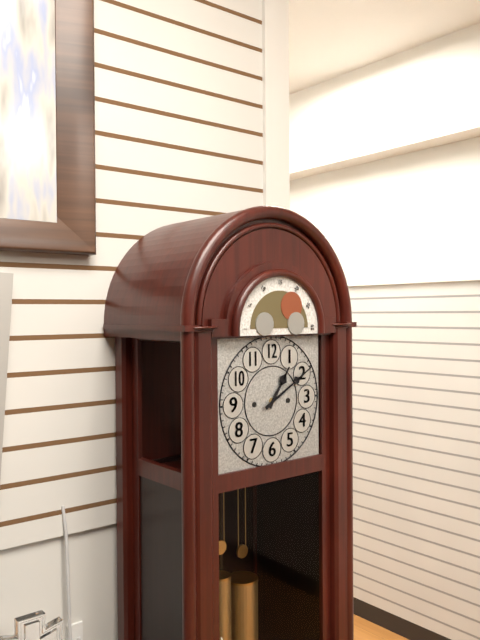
1,10
